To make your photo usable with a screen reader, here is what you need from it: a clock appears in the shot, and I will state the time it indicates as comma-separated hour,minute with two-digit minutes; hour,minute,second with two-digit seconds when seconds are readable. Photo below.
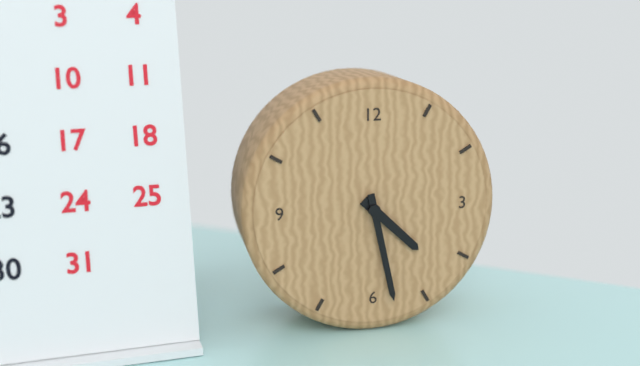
4,28
